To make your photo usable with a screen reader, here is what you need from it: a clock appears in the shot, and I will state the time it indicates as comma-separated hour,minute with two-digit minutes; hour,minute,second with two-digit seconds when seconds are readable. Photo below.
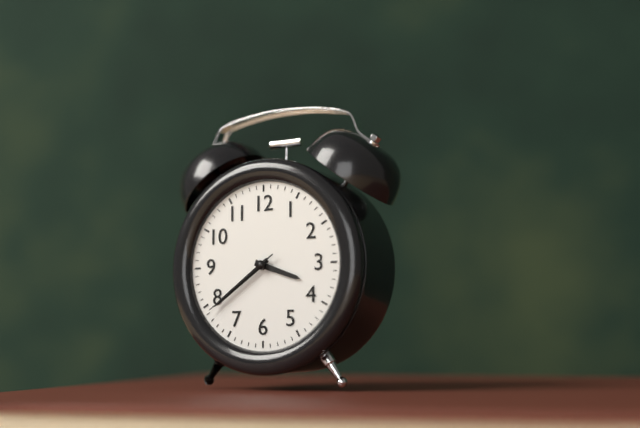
3,39,39
